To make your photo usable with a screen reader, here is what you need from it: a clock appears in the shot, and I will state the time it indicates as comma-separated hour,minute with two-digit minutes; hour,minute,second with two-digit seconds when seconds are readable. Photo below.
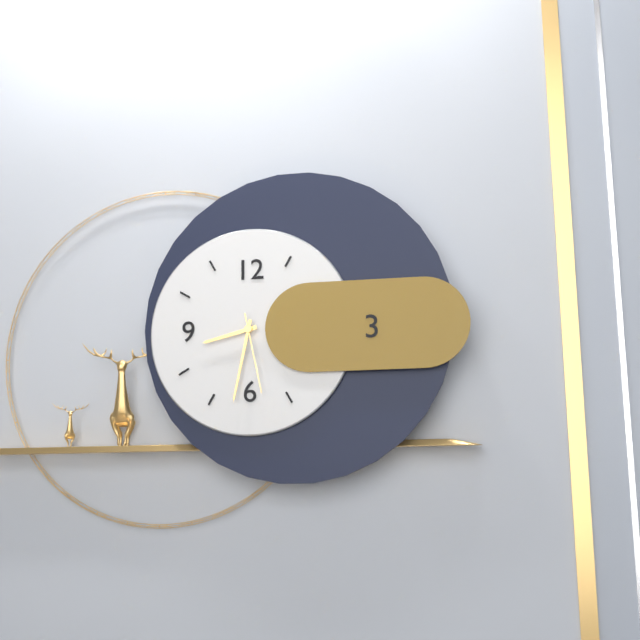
8,32,28
